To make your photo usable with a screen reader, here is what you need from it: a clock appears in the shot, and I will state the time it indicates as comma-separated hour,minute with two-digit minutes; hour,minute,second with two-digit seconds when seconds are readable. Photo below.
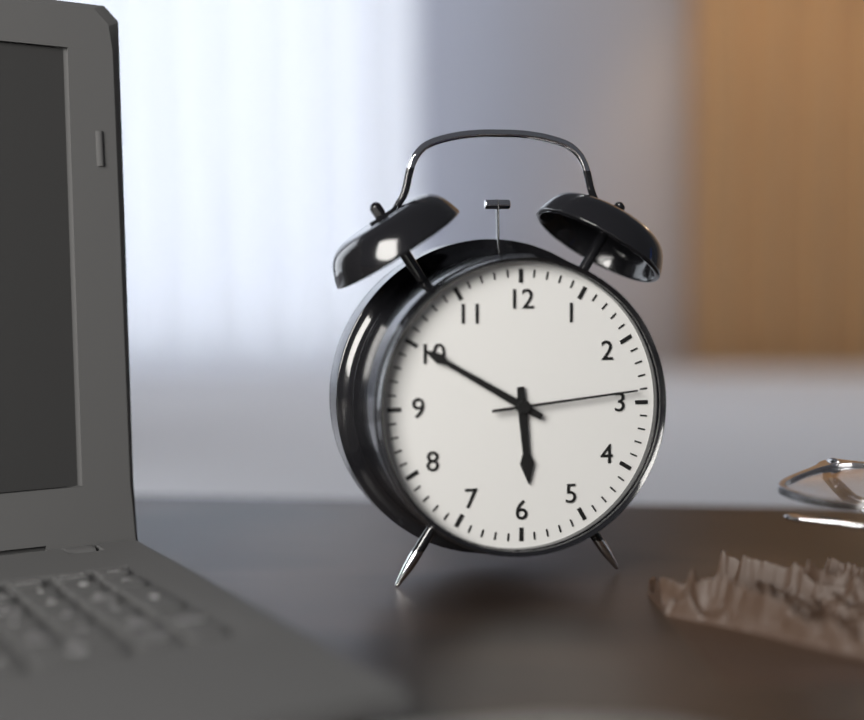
5,50,14
